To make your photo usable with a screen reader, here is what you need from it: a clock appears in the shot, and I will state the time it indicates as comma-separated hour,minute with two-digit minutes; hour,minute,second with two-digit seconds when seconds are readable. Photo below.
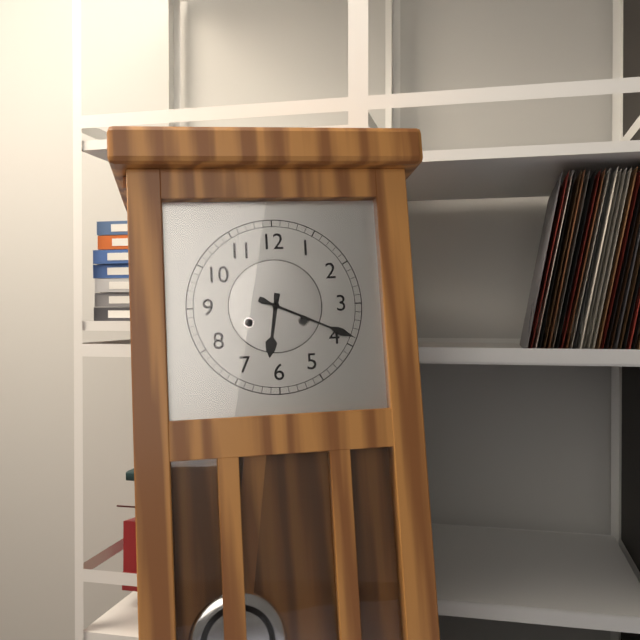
6,19
